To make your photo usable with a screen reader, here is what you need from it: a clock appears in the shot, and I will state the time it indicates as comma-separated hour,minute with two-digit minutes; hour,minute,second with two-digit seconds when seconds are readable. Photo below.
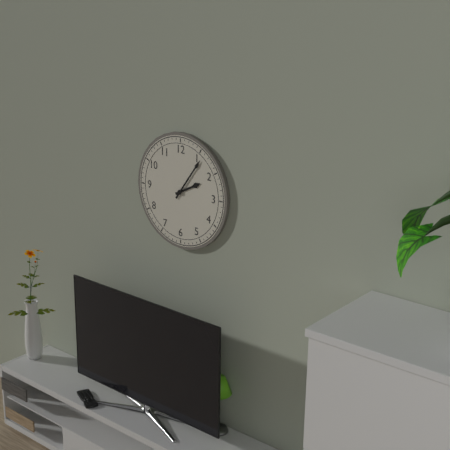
2,06
